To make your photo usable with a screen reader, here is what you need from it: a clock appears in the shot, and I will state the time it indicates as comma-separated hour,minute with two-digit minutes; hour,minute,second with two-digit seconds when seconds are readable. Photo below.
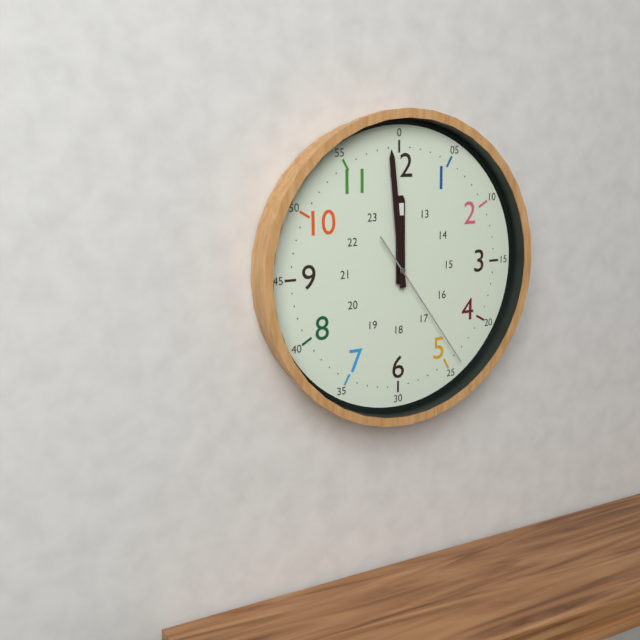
11,59,24
